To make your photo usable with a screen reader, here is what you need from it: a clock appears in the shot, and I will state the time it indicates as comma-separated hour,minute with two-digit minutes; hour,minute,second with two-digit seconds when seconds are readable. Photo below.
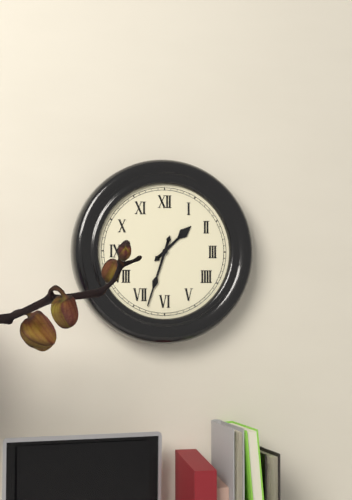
1,33
